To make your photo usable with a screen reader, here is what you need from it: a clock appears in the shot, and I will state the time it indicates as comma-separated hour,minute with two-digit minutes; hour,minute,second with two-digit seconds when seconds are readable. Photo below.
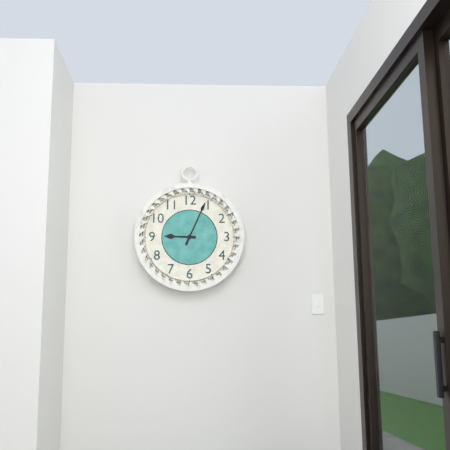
9,04
